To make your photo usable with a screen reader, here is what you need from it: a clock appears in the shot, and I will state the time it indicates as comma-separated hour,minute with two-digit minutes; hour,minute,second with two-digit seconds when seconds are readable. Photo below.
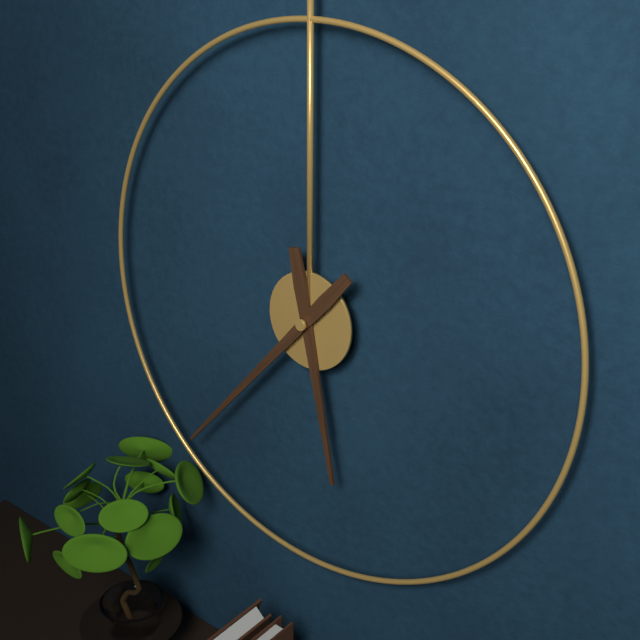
5,37
